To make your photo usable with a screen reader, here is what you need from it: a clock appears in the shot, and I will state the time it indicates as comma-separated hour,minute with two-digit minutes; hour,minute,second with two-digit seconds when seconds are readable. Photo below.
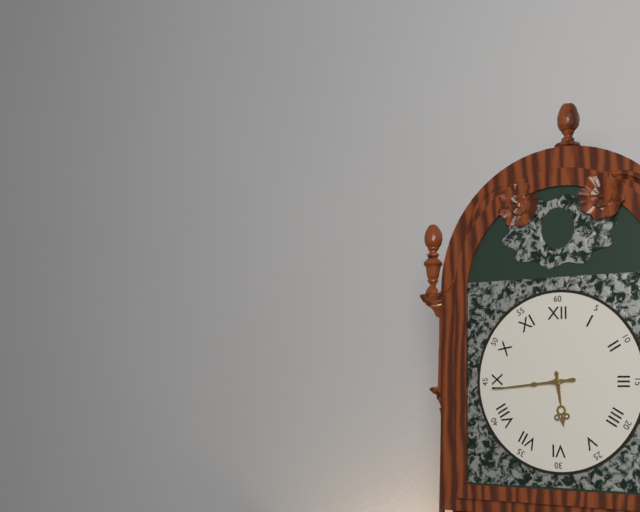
5,44
